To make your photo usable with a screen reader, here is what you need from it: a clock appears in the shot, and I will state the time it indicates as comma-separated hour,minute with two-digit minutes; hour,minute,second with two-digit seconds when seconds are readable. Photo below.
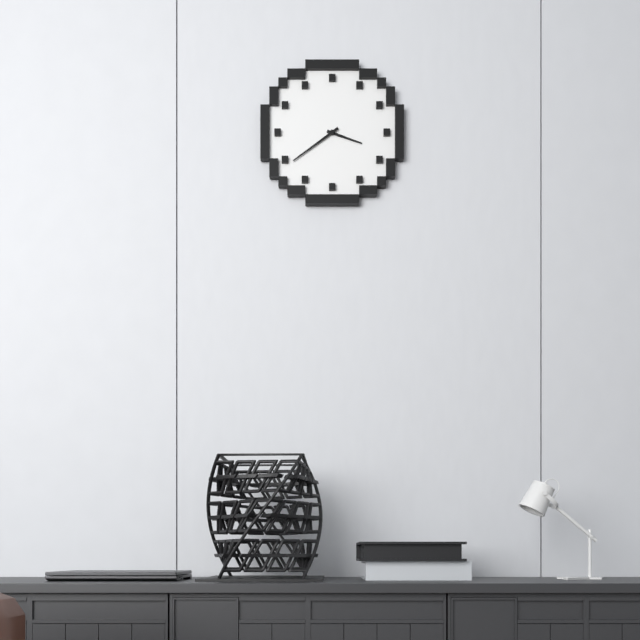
3,39
